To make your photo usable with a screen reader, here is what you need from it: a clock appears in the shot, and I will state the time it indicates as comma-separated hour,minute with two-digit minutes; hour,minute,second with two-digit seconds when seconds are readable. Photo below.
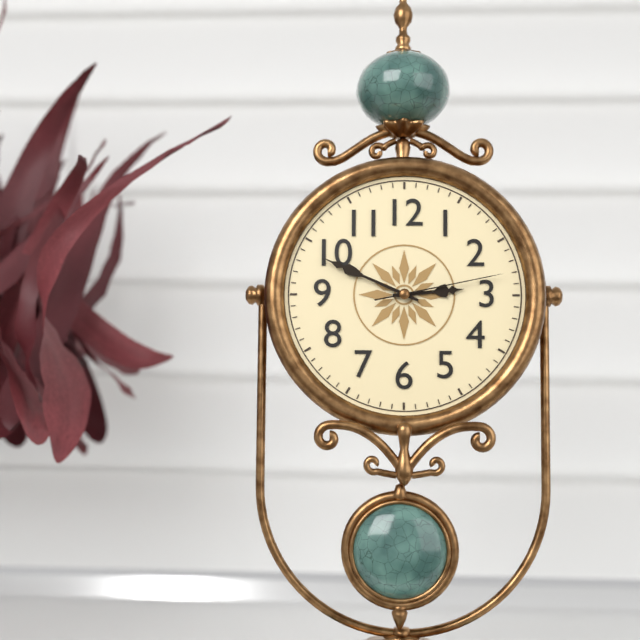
2,49,13
